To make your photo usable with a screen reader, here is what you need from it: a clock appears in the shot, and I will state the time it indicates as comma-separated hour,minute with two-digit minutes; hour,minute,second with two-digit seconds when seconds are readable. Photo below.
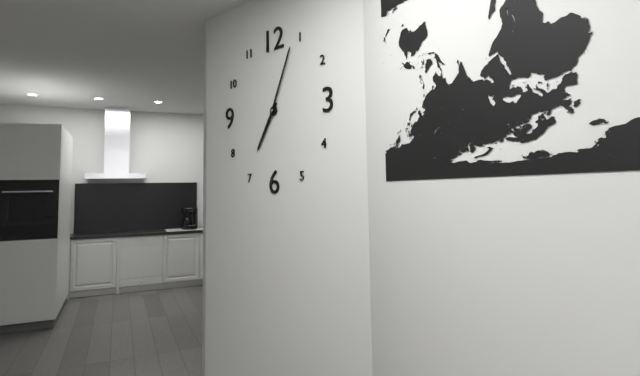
7,04
